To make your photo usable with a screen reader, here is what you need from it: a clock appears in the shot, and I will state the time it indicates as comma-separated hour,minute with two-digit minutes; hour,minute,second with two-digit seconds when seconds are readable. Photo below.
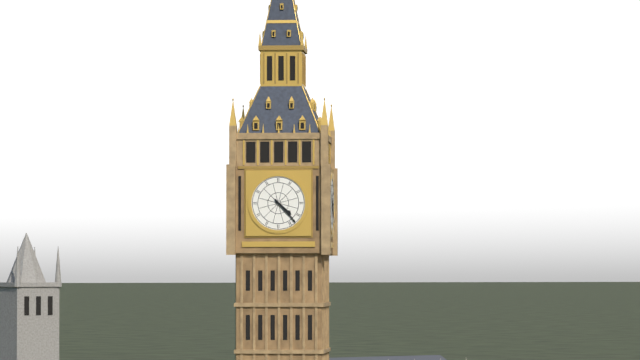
4,23
